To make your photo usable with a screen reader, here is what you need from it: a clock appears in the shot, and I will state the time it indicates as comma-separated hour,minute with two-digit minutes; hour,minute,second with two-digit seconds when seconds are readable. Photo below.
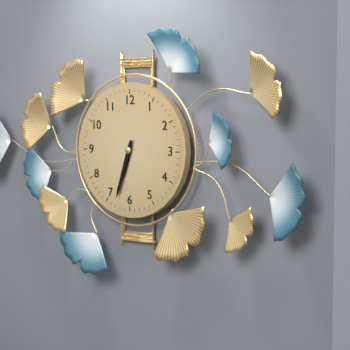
6,33
